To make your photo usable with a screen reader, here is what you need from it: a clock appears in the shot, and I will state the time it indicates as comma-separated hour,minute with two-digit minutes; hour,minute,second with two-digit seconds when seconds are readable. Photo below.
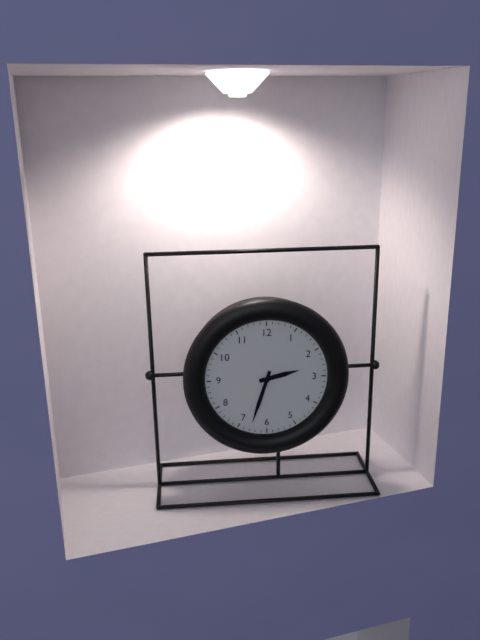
2,33
